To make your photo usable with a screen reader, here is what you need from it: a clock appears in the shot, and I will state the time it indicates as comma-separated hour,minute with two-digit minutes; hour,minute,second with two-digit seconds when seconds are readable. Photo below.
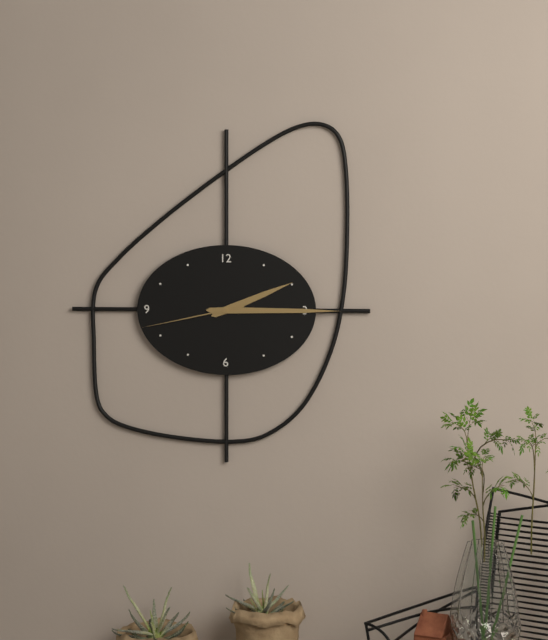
2,15,43
